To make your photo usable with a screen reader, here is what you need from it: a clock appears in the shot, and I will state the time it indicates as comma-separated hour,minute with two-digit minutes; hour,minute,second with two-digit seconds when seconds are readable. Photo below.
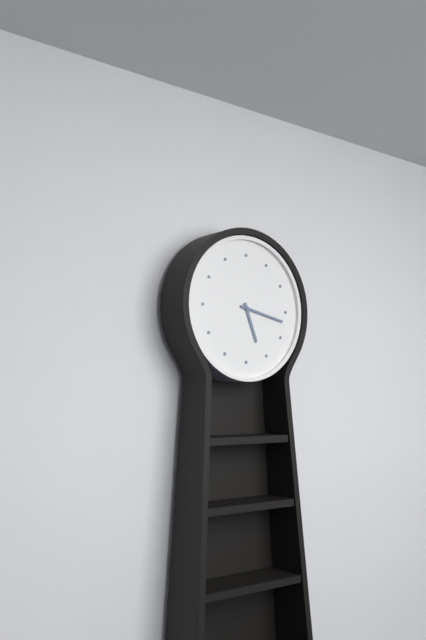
5,17
